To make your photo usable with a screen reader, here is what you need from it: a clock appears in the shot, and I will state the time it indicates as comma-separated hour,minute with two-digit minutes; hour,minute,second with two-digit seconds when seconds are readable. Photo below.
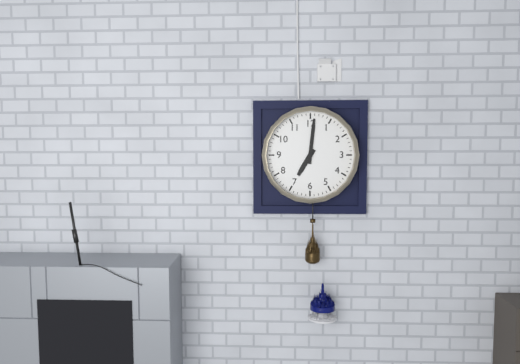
7,01
